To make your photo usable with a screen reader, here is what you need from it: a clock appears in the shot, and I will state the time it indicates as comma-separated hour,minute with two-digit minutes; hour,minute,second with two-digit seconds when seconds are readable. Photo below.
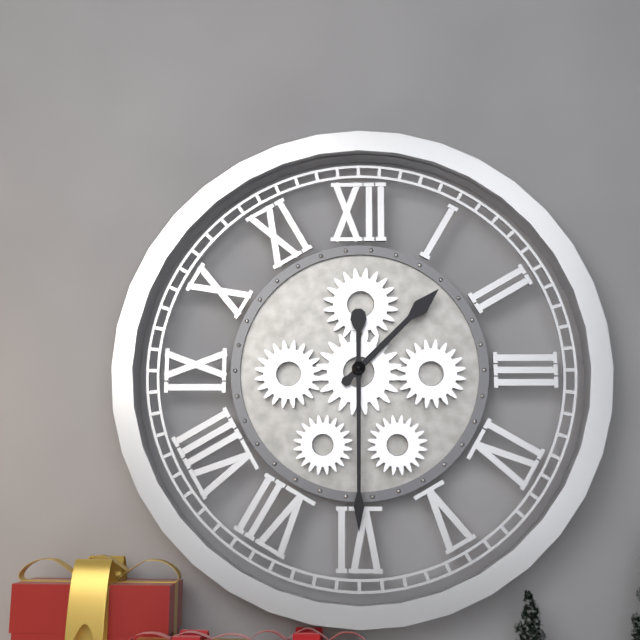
1,30
